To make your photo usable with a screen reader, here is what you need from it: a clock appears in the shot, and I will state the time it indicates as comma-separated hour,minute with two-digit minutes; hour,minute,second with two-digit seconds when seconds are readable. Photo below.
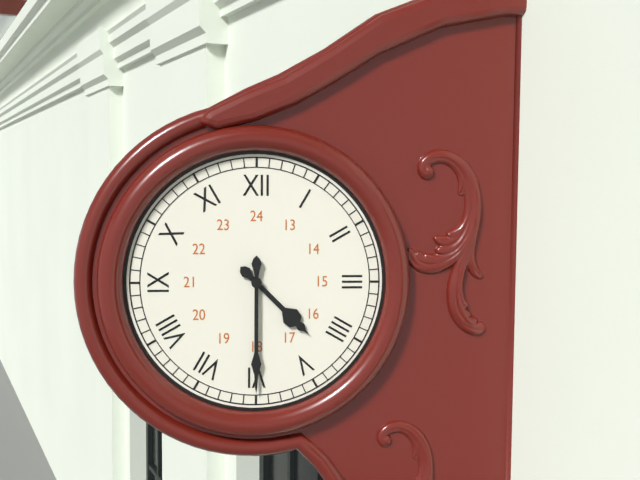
4,30
